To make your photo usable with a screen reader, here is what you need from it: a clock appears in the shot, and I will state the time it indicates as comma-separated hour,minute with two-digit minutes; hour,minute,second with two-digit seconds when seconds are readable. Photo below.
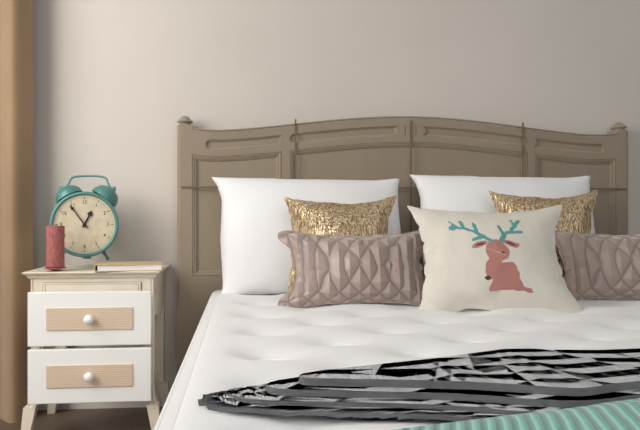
12,54
